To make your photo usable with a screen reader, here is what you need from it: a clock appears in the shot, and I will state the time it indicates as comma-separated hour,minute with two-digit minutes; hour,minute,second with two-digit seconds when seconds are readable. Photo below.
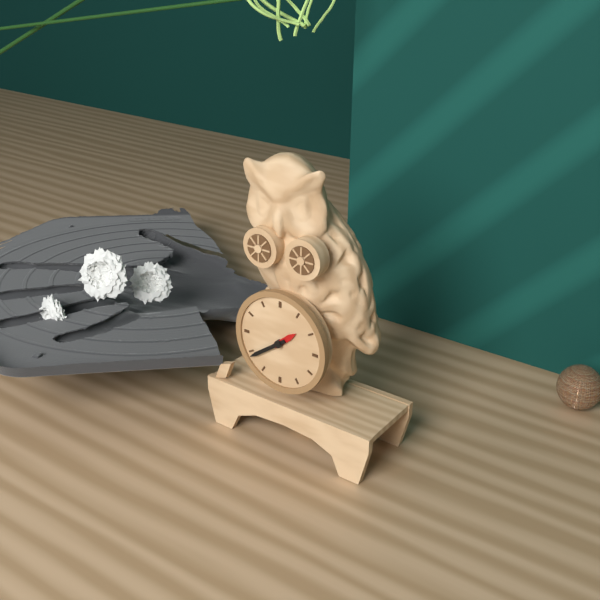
1,39
